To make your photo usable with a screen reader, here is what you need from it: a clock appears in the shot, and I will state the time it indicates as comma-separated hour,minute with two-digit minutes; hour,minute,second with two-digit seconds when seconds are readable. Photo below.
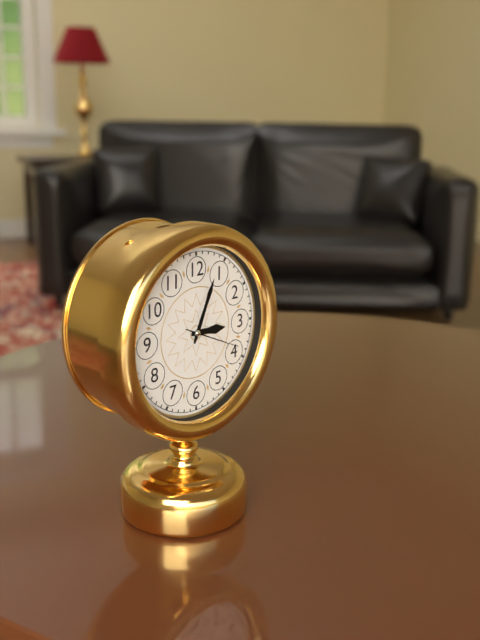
3,04,19
